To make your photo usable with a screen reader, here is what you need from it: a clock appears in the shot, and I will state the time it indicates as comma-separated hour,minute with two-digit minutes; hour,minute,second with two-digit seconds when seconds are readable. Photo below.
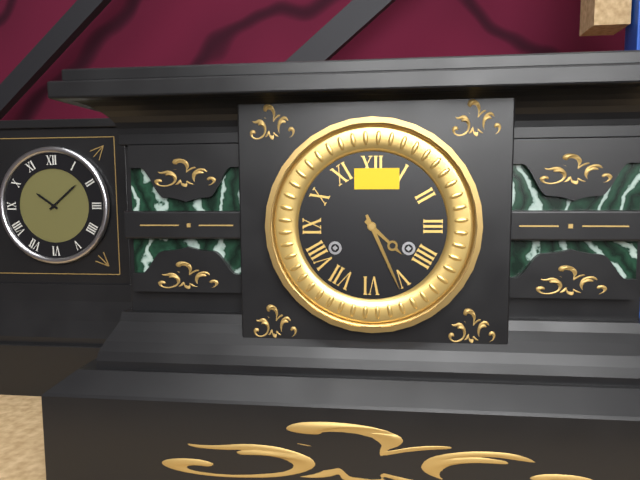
4,26
